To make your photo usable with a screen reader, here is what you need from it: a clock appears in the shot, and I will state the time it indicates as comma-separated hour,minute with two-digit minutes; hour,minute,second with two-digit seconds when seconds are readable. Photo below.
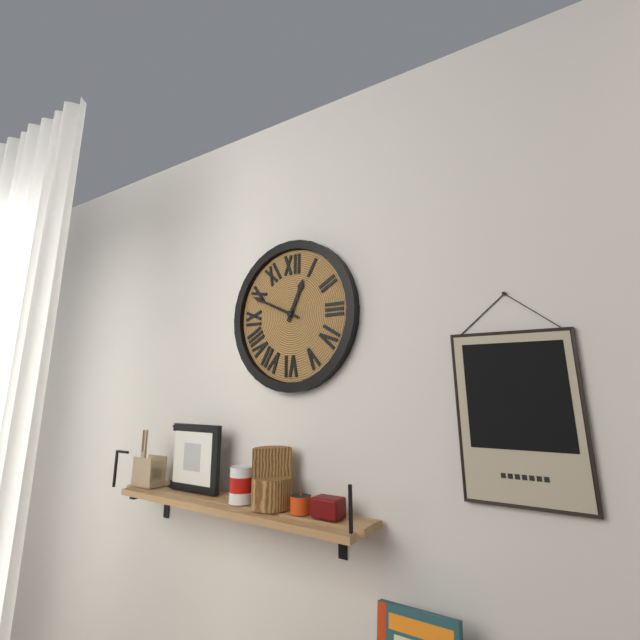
12,49
